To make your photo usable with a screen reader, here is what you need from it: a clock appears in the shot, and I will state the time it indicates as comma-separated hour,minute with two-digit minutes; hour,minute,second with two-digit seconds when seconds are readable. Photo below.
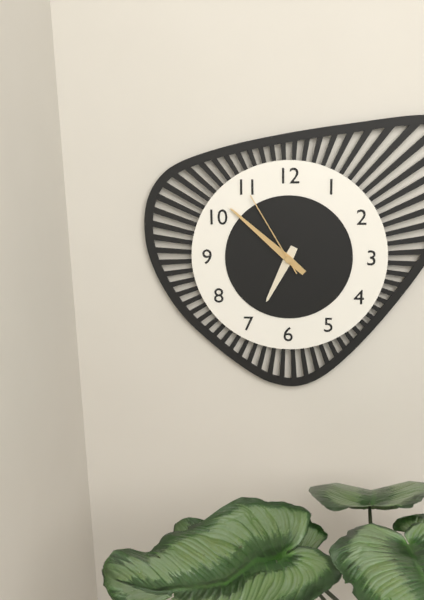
6,52,55
